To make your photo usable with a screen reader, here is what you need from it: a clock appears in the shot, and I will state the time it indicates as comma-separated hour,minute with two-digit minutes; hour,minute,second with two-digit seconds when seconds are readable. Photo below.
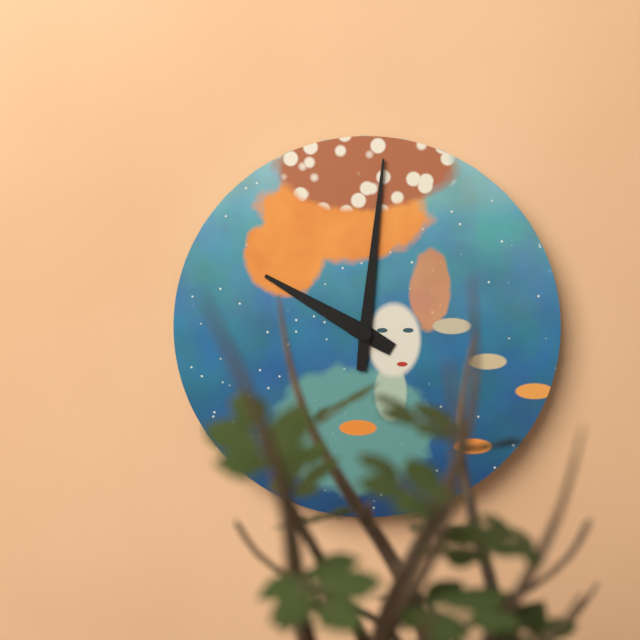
10,01
